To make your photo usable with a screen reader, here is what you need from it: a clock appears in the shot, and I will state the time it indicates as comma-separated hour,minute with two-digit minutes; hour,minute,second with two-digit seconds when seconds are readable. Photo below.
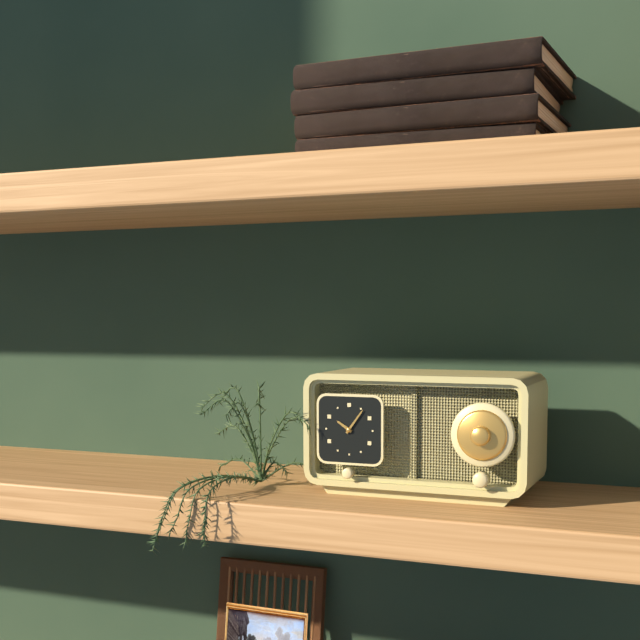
10,06
